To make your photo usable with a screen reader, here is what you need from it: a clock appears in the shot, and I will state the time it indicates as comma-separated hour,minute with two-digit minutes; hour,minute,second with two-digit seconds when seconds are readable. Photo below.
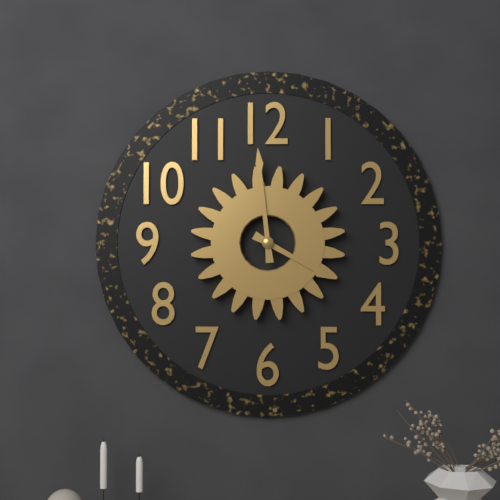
3,59
